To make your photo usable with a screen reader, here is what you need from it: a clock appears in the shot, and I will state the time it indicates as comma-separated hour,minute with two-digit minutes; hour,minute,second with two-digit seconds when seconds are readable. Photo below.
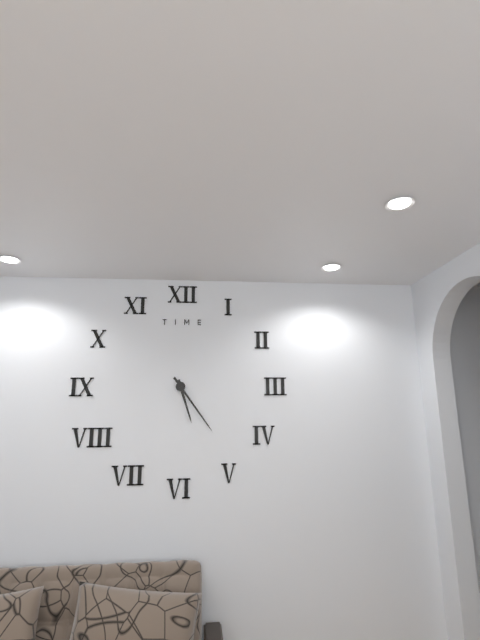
5,24
